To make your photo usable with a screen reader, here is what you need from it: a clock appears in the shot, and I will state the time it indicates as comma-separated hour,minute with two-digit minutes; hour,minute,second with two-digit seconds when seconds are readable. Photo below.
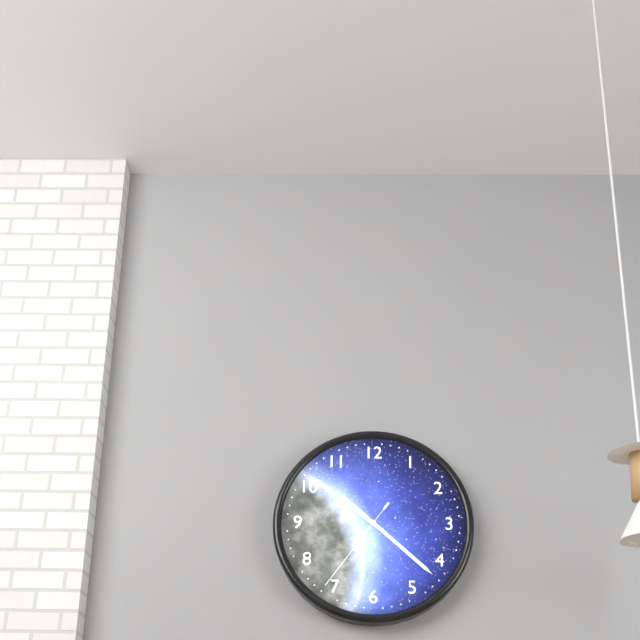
10,22,36
